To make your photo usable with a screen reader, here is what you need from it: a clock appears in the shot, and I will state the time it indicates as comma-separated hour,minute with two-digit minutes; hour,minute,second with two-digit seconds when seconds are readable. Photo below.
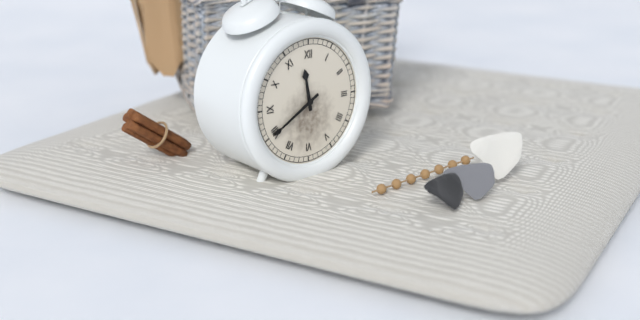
11,40
